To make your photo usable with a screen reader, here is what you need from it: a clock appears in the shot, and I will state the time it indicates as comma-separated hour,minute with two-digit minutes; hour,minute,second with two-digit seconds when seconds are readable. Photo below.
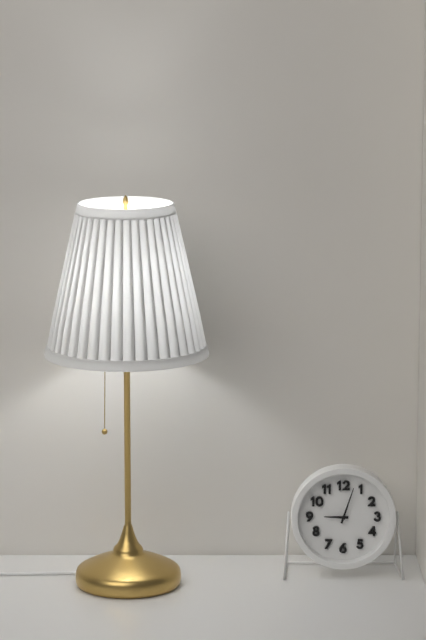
9,03
